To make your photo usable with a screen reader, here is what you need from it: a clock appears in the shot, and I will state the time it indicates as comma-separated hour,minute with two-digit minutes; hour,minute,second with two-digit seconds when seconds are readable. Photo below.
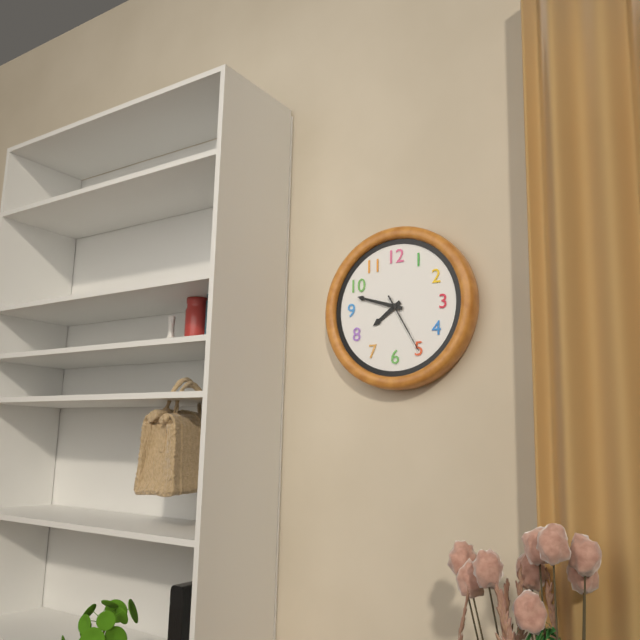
7,48,25
